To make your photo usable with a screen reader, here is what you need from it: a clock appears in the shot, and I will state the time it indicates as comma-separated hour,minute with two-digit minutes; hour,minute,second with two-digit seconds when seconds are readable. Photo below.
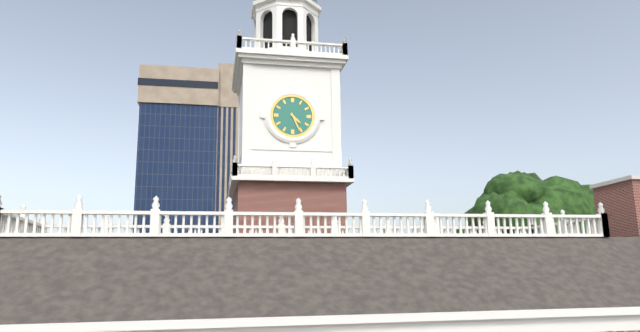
4,26
